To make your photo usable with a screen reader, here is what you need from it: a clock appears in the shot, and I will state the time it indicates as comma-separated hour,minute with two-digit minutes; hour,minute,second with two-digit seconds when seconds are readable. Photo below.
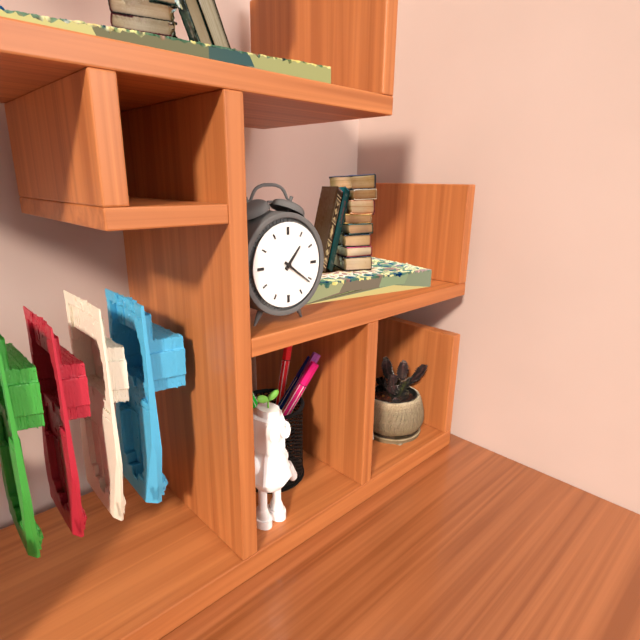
1,21
